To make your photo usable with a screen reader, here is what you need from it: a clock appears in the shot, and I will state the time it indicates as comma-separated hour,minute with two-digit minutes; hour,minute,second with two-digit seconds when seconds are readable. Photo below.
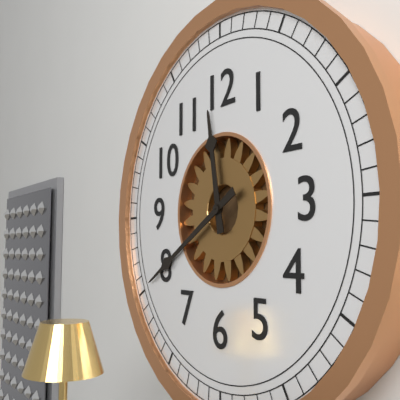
11,40
